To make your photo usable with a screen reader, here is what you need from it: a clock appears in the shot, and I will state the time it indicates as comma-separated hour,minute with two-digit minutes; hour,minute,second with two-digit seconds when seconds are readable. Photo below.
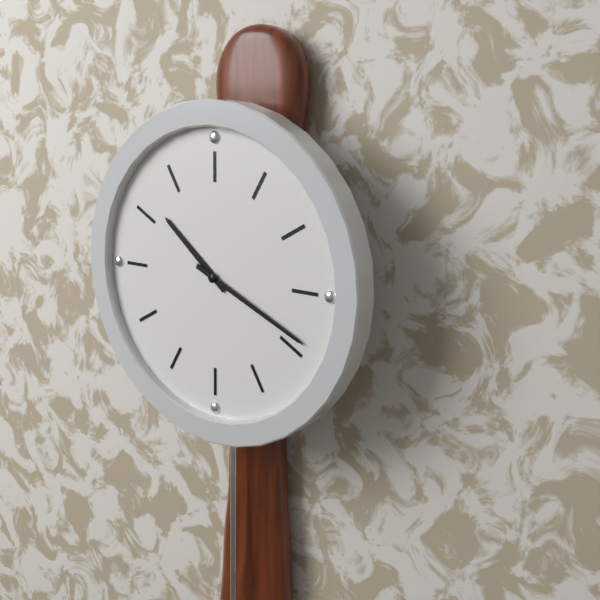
10,19
